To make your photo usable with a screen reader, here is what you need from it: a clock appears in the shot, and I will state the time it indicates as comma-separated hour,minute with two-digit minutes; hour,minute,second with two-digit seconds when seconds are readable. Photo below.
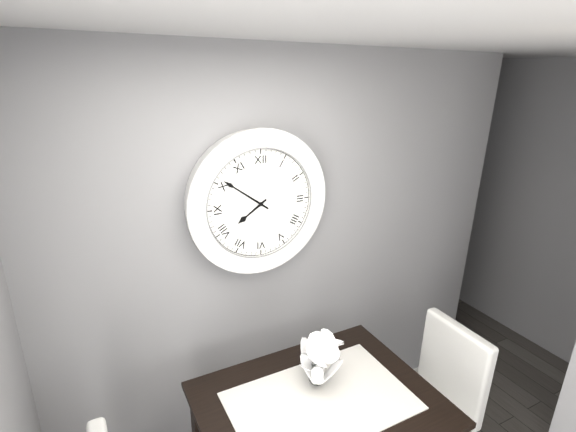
7,51
